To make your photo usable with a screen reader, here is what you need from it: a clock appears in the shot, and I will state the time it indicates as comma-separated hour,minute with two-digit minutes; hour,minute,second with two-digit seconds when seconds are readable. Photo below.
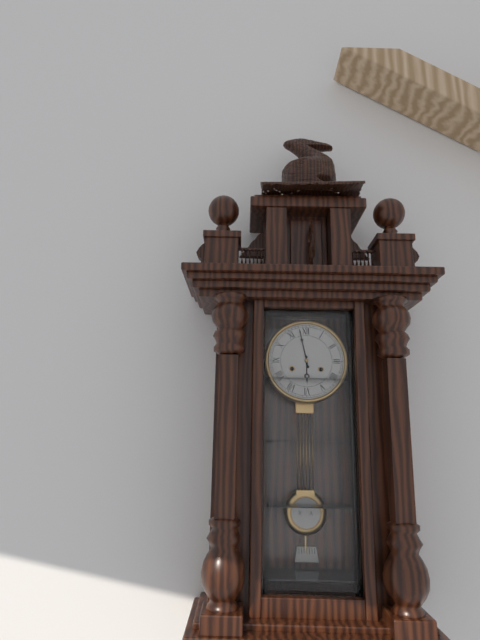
5,58
